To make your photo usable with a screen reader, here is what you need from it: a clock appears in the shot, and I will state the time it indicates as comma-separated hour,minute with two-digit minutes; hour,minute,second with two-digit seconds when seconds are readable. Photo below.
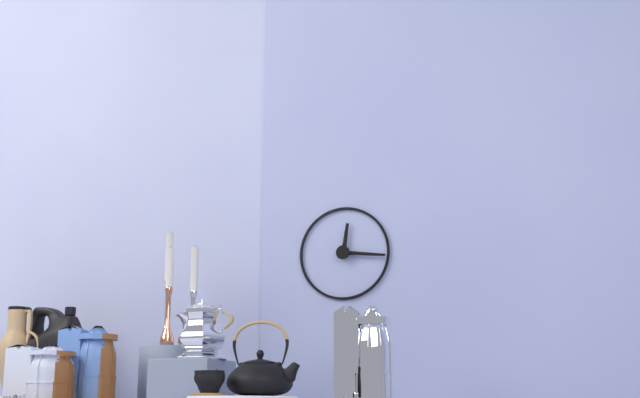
12,16
